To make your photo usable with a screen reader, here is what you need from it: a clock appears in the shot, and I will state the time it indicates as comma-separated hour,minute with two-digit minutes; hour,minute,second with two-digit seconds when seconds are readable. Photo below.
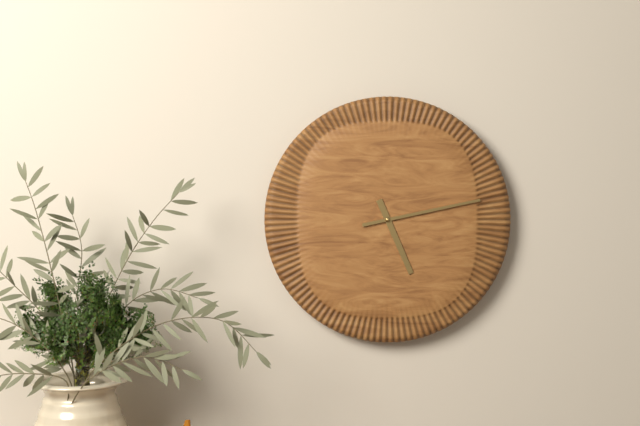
5,13
